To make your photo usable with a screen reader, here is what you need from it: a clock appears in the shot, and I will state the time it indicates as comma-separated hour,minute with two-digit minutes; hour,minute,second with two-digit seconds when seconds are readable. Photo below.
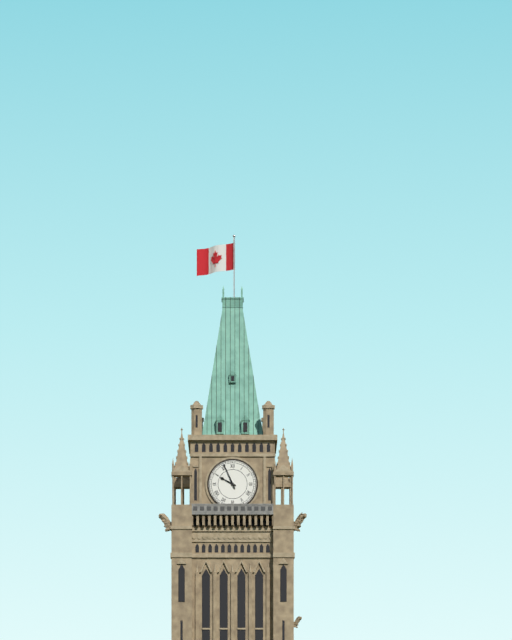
9,56
